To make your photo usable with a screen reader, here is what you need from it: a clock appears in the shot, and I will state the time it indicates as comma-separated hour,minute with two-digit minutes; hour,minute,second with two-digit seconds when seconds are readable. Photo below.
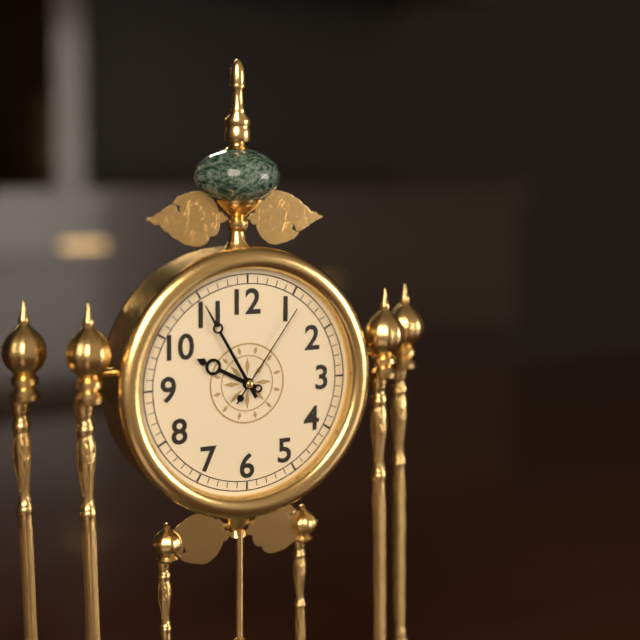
9,55,06
